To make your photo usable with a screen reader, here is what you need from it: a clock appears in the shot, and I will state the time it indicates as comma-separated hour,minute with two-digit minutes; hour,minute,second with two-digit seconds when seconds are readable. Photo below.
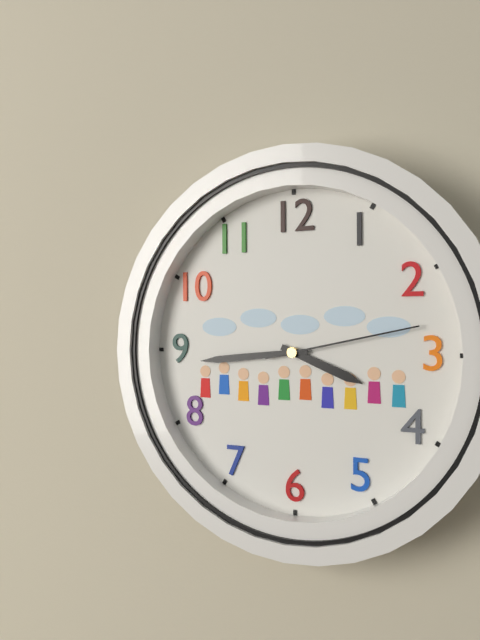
3,44,13
